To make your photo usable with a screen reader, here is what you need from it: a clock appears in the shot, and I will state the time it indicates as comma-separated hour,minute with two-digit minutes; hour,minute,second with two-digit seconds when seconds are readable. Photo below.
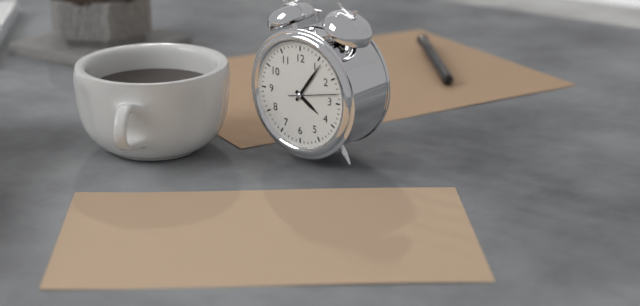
4,06
